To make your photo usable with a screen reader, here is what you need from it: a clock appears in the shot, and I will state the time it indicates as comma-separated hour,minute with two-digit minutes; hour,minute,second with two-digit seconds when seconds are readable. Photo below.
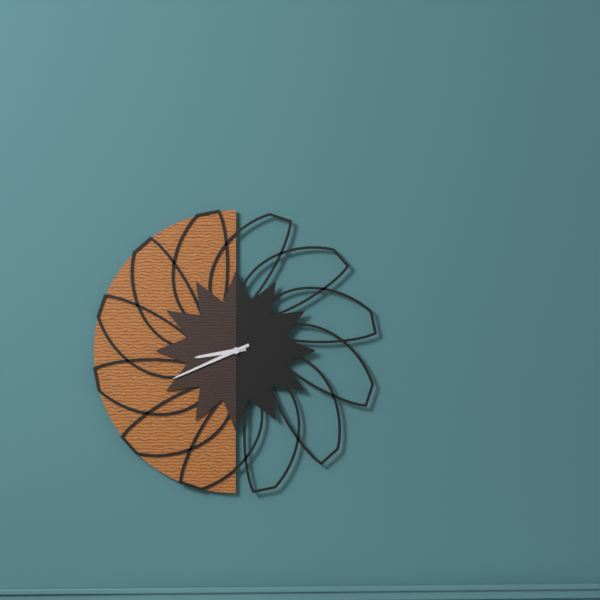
8,41
